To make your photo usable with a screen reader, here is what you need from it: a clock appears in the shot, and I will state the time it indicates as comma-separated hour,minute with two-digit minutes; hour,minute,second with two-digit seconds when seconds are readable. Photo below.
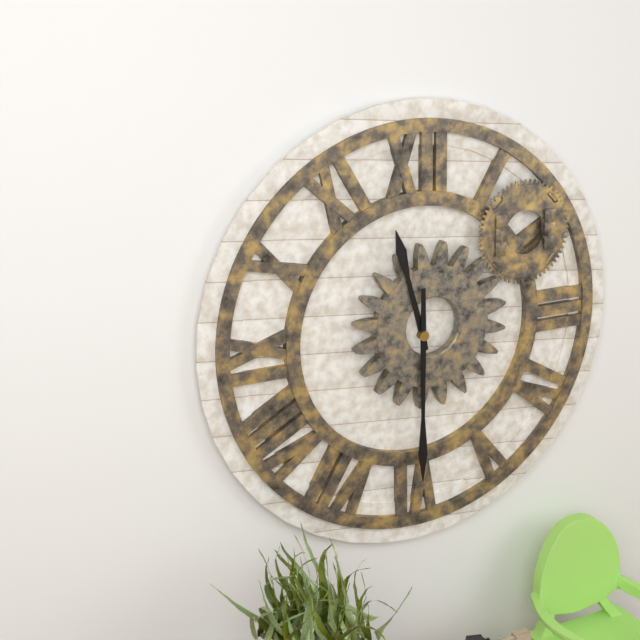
11,30
